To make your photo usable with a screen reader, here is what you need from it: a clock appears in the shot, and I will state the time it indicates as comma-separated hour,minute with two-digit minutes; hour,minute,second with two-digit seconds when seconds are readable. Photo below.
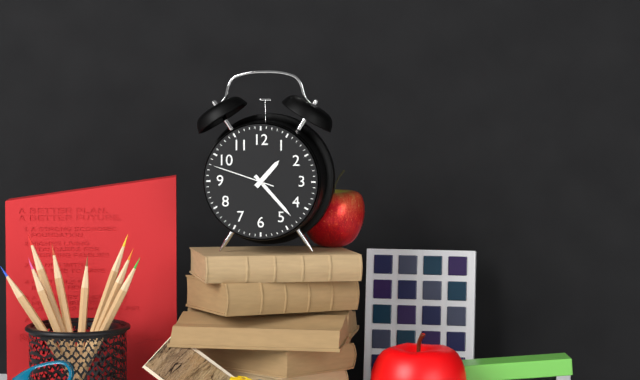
1,23,48
